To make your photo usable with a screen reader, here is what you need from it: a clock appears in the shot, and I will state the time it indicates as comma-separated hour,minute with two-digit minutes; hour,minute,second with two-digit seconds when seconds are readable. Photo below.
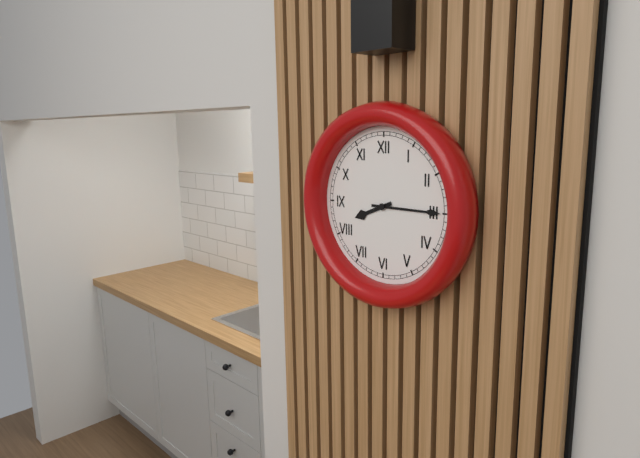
8,15
